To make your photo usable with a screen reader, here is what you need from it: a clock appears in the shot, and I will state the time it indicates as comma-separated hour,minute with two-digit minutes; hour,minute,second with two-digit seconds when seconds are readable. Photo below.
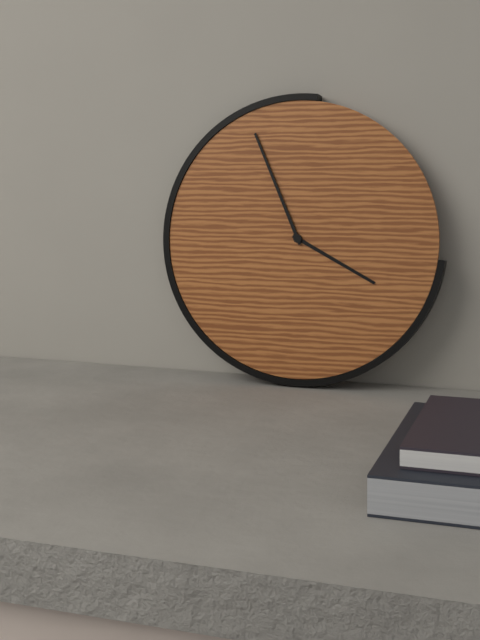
3,56
